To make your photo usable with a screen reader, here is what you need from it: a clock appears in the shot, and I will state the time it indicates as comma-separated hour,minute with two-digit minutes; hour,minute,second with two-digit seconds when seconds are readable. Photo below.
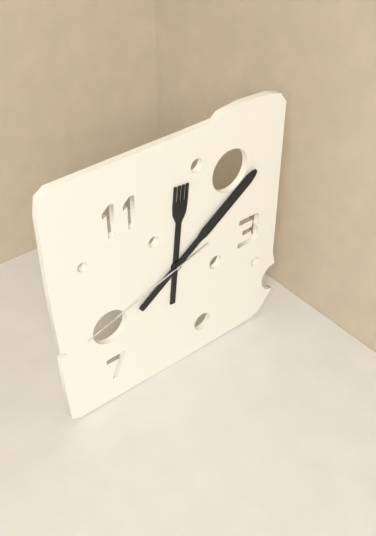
12,09,42
